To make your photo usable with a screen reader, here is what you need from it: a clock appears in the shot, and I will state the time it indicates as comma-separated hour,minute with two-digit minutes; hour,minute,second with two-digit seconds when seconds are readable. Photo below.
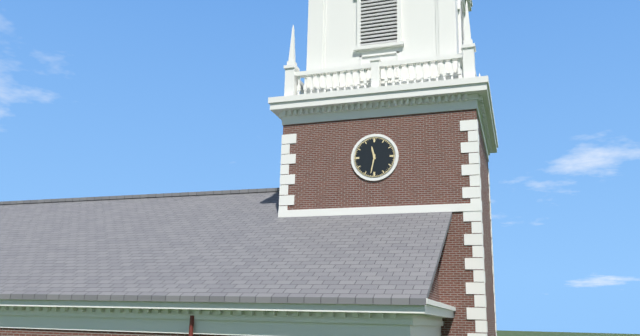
11,32
